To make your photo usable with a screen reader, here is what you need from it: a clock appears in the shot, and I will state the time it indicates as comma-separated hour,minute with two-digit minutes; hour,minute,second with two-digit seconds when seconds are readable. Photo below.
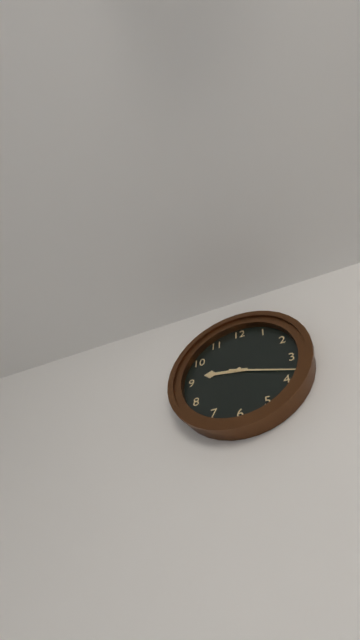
9,18
